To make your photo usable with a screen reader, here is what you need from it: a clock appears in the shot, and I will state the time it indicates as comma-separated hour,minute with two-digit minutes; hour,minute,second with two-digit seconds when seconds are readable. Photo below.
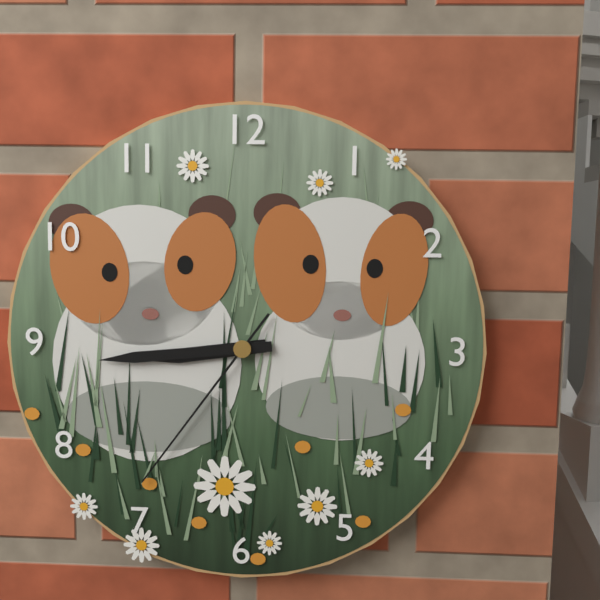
8,44,36
